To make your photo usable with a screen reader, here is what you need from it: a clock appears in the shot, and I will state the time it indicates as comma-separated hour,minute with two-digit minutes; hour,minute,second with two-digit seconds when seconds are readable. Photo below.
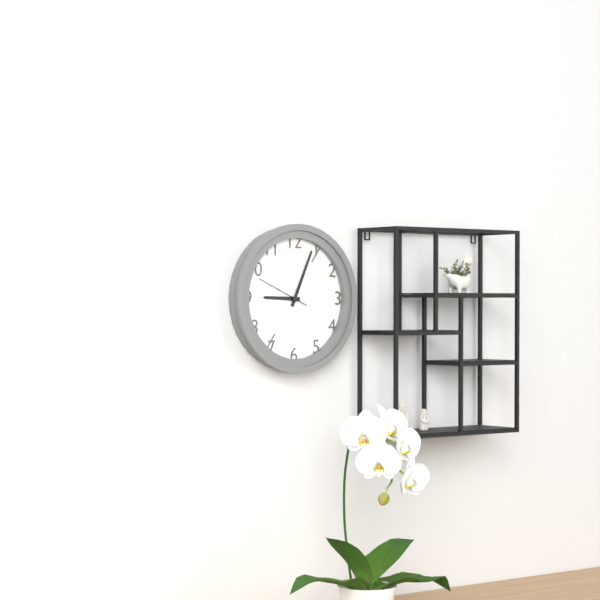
9,04,49
